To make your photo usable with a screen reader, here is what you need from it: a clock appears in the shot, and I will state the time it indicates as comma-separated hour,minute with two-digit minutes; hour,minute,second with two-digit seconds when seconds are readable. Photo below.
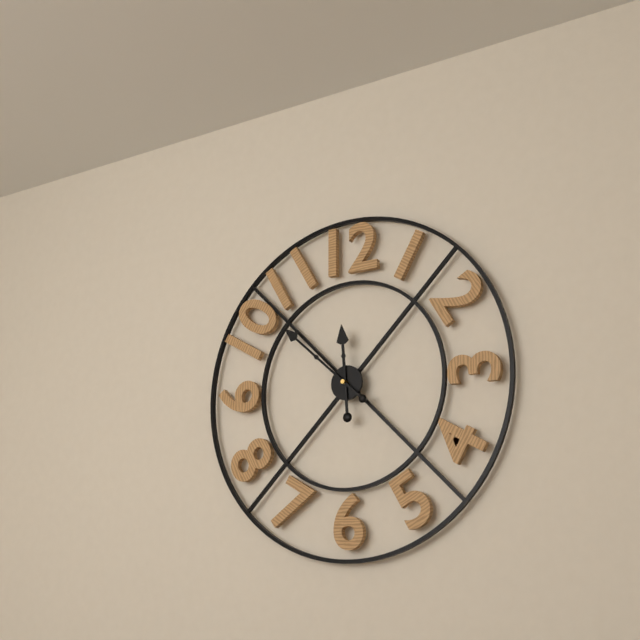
11,52
